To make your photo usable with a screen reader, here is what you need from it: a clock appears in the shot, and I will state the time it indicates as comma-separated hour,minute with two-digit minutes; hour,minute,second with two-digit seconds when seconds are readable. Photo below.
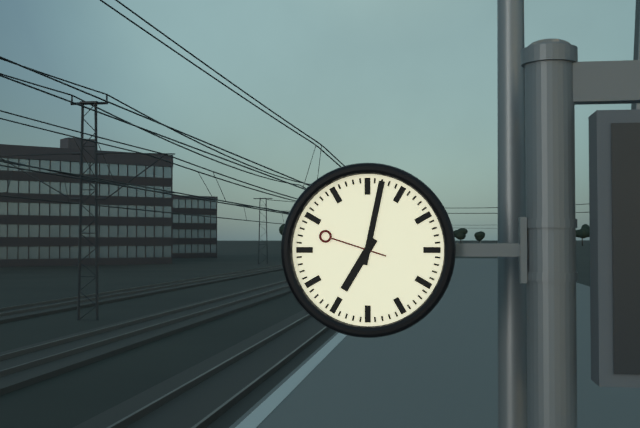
7,02,48
